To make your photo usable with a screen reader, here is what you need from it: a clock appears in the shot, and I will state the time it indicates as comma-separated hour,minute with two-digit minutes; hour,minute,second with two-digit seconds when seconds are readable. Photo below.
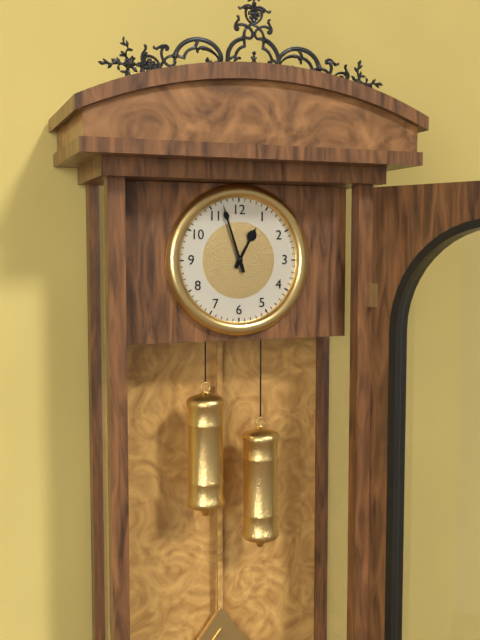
12,57
